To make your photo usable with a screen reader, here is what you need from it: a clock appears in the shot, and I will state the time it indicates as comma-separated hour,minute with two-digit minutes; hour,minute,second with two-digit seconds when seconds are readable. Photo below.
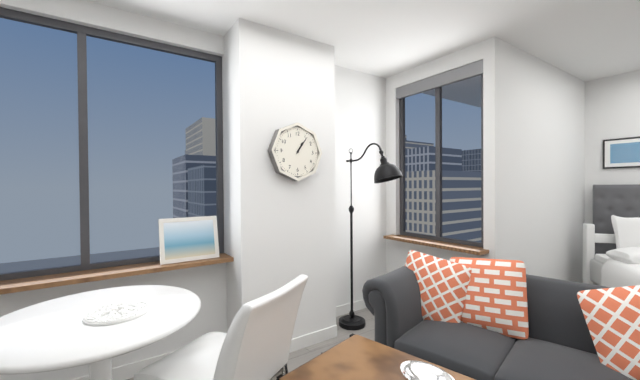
1,06
